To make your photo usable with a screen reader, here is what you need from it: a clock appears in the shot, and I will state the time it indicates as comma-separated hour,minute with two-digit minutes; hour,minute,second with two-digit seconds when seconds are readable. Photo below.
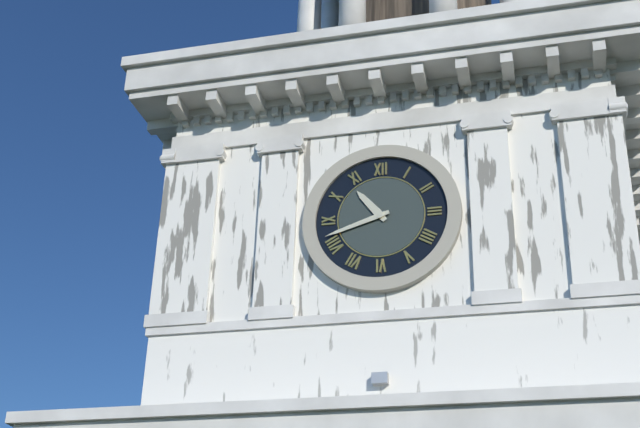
10,42
